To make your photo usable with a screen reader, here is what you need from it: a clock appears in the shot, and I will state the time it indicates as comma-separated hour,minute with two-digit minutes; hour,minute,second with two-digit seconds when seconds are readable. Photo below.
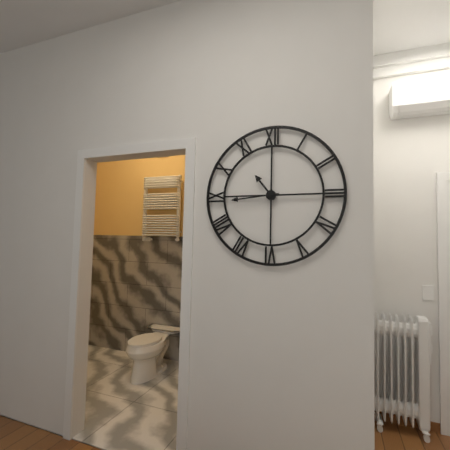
10,44
